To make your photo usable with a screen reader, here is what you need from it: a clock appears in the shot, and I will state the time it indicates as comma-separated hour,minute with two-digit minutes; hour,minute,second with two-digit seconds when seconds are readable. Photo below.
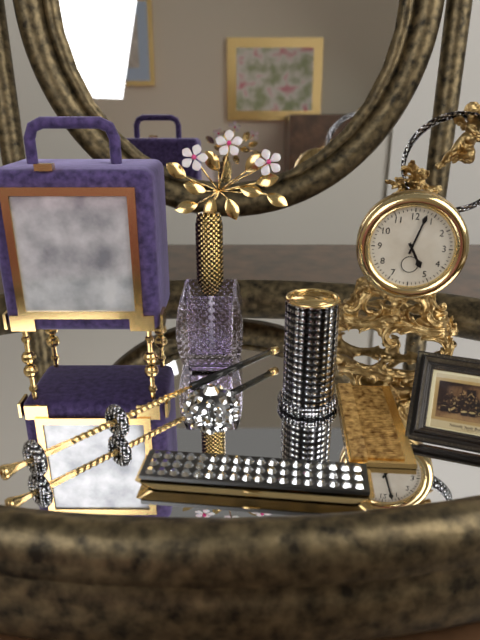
5,03
